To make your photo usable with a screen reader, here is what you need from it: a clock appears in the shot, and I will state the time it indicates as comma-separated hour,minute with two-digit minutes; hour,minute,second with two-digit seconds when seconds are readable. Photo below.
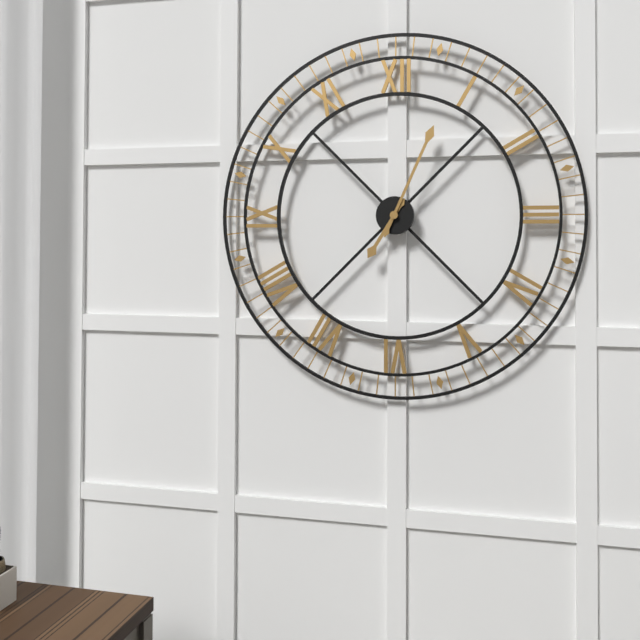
7,04
